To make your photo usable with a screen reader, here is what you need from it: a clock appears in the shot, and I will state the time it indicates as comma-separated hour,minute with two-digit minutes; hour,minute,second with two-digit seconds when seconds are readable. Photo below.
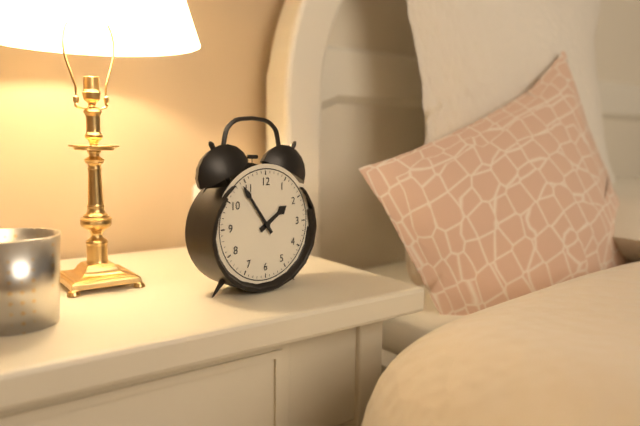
1,54
